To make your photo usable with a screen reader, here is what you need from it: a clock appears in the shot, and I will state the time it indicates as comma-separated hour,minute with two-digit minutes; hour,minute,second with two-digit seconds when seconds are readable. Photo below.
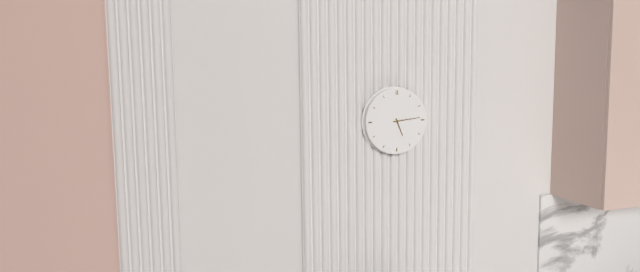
5,14
